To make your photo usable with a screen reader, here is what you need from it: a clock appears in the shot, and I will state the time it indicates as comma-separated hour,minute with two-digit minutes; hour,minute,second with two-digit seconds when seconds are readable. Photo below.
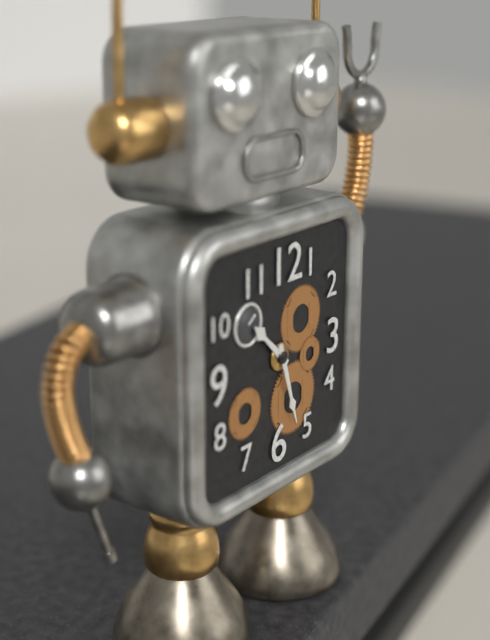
10,27
